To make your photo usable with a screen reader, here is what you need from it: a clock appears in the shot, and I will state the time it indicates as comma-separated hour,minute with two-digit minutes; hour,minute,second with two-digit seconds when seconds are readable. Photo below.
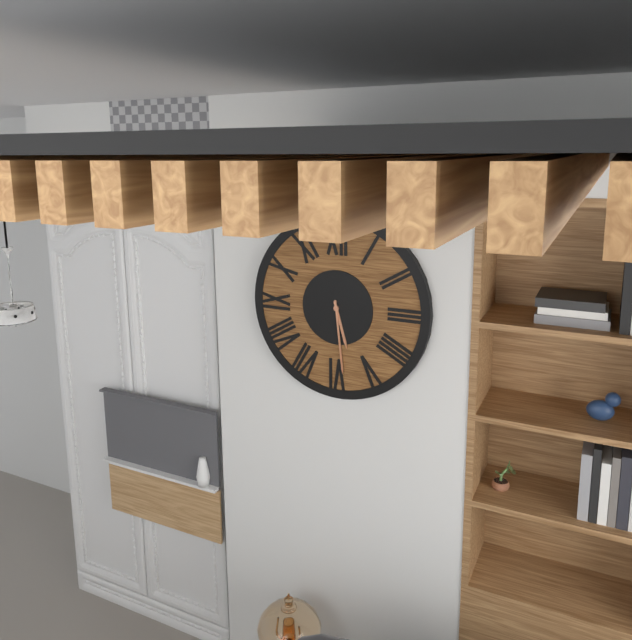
5,29
